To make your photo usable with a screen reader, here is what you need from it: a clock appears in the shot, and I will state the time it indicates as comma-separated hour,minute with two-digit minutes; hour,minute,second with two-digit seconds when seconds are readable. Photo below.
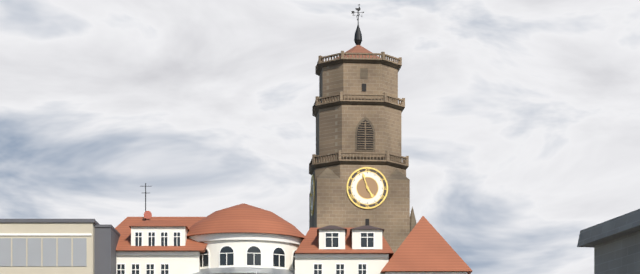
4,57
